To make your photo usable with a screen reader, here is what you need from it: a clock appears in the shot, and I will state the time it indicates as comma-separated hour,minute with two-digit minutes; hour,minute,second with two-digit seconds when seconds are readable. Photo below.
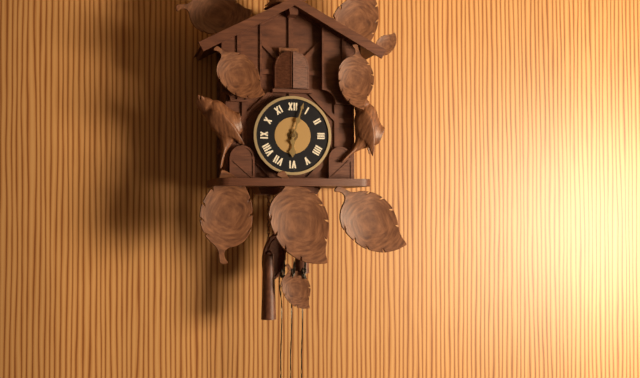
6,03
